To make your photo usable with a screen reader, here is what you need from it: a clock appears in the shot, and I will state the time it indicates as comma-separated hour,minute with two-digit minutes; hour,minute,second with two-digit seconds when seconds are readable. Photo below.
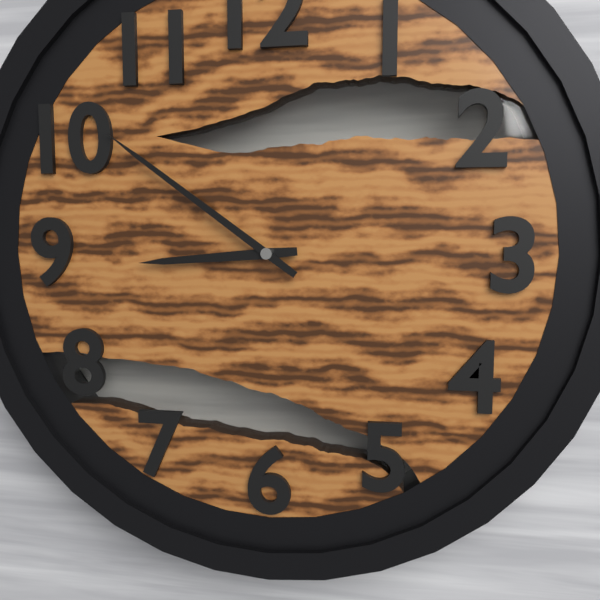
8,51
